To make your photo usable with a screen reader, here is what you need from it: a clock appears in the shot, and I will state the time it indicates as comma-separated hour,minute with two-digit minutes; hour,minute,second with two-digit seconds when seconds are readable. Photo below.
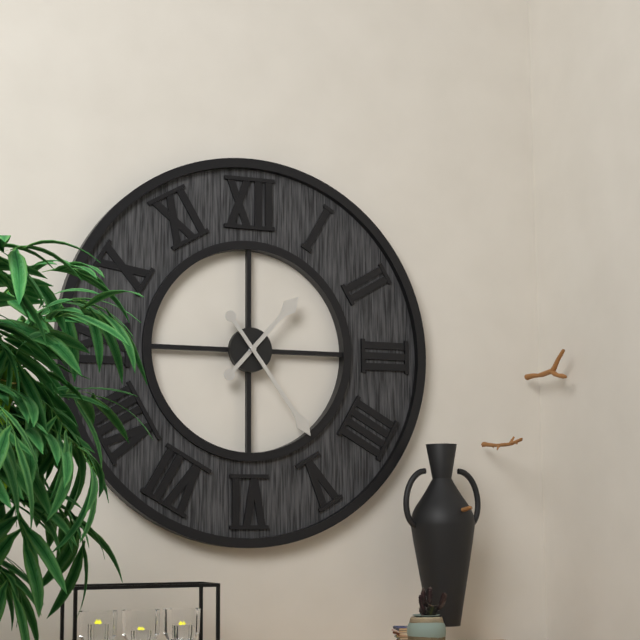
1,24
